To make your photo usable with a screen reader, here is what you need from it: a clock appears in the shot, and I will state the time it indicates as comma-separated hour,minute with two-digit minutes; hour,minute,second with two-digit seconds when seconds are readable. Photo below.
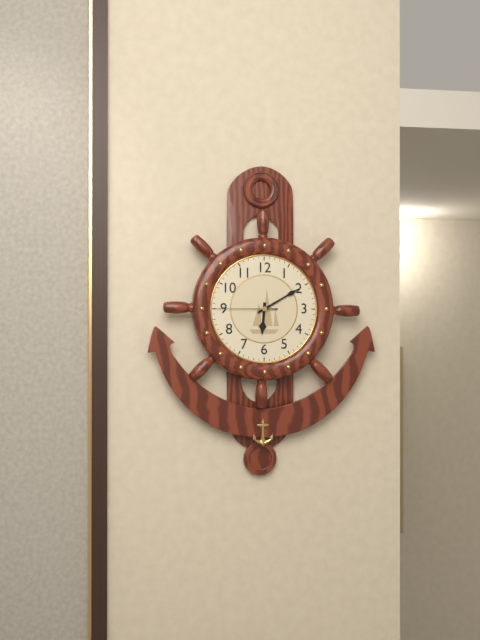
6,10,45
